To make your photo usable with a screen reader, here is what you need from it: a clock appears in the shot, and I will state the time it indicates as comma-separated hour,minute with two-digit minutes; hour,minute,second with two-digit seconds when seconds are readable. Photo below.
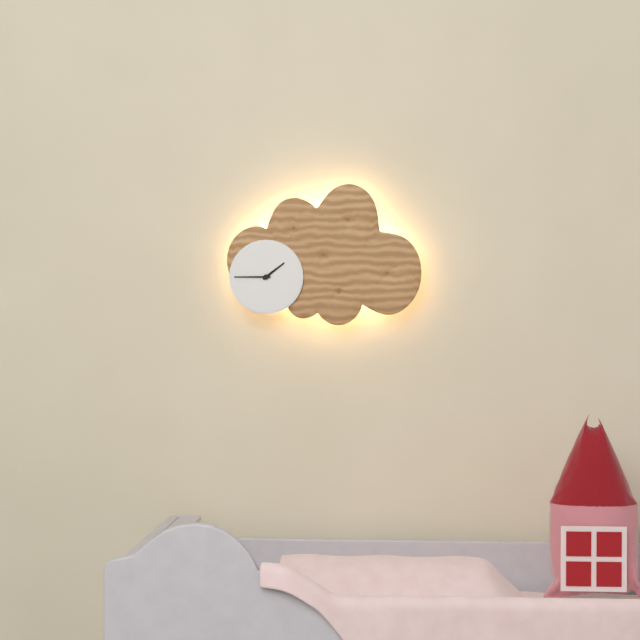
1,45
